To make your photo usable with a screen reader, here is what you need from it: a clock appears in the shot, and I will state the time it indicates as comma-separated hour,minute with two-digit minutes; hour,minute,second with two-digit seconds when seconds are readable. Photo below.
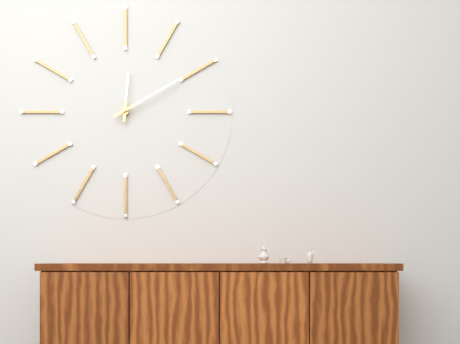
12,10
